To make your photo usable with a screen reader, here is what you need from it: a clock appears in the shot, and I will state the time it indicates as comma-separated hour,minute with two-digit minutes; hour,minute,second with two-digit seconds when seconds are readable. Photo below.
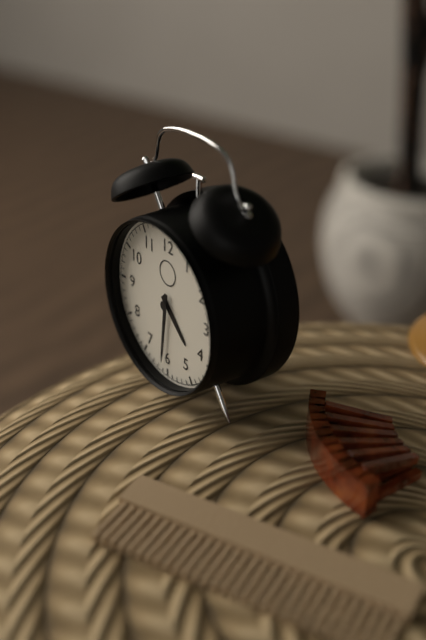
4,31
